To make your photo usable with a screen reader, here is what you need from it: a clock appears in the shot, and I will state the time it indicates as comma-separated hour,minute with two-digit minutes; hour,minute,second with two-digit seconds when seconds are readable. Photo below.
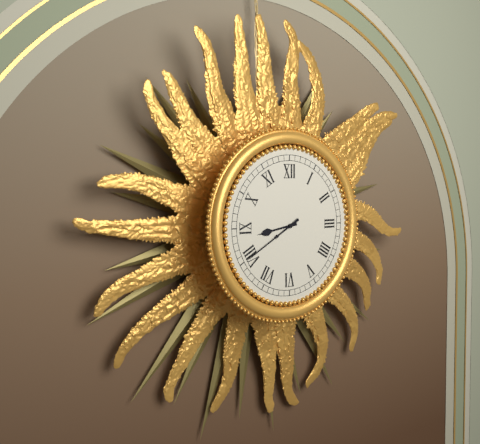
8,40
